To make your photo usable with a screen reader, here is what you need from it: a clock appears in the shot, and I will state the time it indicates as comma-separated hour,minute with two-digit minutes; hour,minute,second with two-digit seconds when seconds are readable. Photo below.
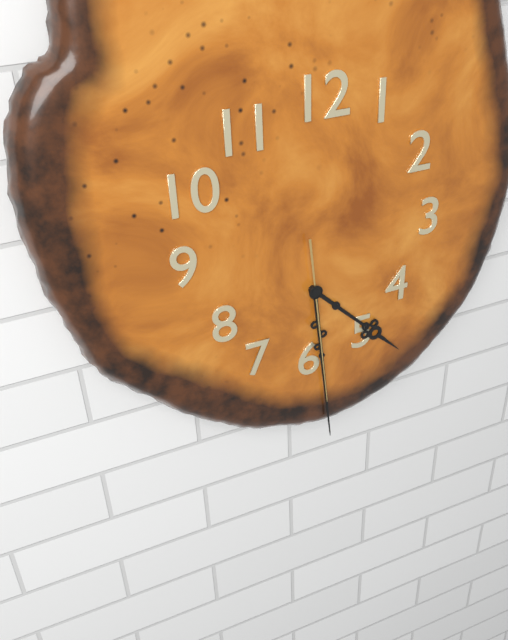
4,29,29
